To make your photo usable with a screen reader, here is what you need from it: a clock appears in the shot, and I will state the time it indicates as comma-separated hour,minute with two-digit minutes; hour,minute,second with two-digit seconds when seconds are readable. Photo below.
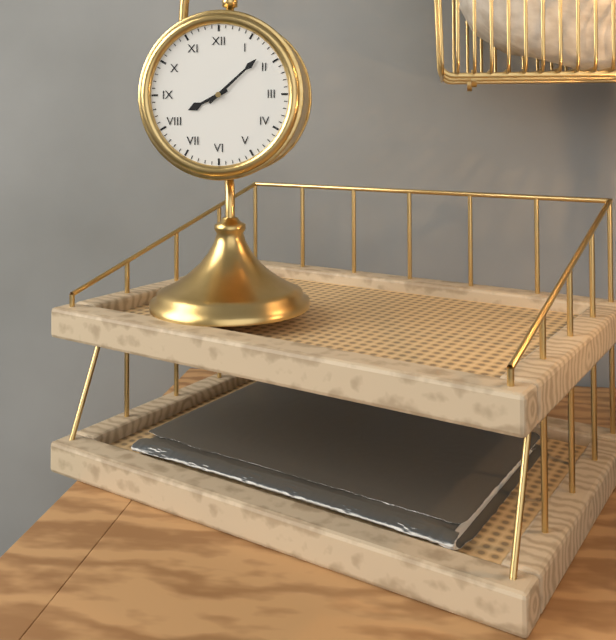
8,08
